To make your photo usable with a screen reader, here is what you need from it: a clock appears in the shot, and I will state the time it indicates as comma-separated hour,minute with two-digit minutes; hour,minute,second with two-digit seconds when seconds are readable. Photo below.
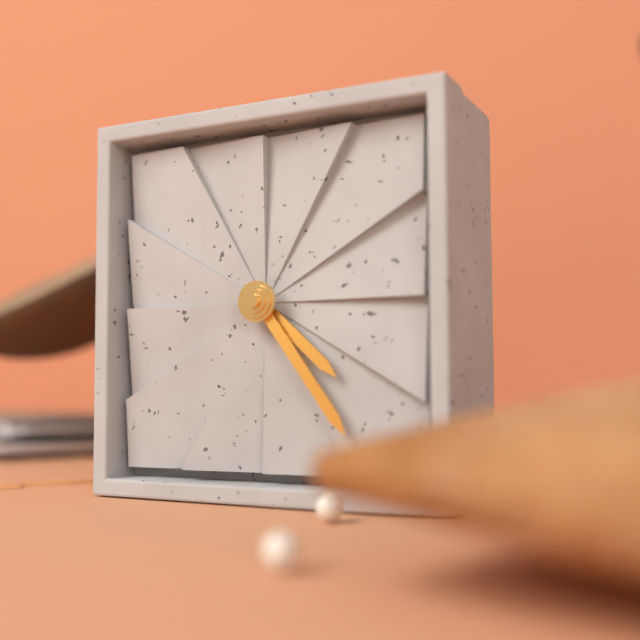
4,24
